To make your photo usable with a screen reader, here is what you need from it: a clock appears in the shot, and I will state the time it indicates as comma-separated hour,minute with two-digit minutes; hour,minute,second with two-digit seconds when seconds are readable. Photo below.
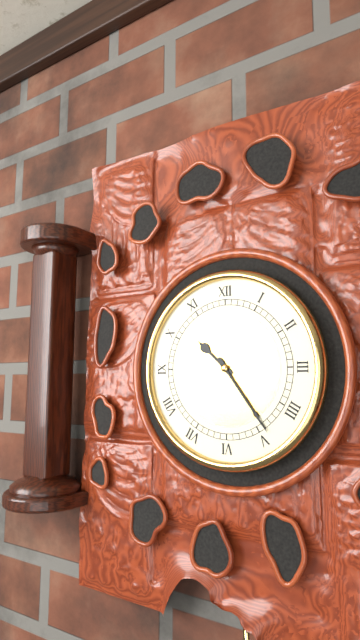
10,24
